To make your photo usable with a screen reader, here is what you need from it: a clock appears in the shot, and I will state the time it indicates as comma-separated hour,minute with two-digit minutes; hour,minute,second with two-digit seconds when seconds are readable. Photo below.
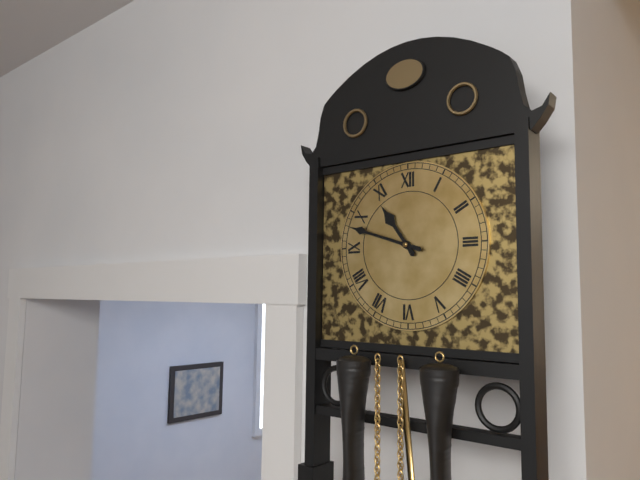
10,48
